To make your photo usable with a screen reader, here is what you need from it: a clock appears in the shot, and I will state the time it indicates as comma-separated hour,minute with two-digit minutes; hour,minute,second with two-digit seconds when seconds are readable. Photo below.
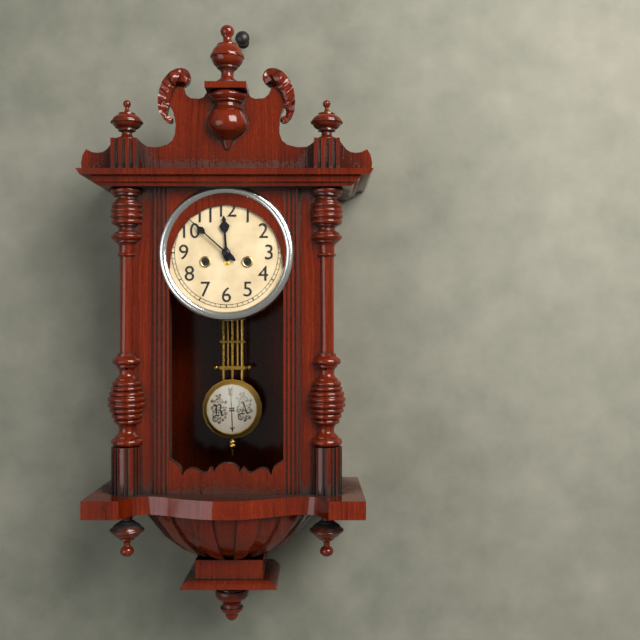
11,52
